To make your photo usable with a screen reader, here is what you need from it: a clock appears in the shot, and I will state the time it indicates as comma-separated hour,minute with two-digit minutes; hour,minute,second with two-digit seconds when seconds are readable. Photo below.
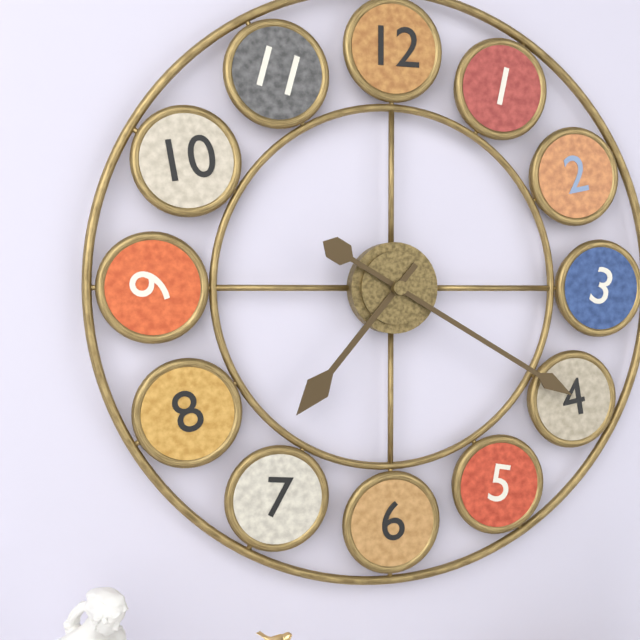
7,20
